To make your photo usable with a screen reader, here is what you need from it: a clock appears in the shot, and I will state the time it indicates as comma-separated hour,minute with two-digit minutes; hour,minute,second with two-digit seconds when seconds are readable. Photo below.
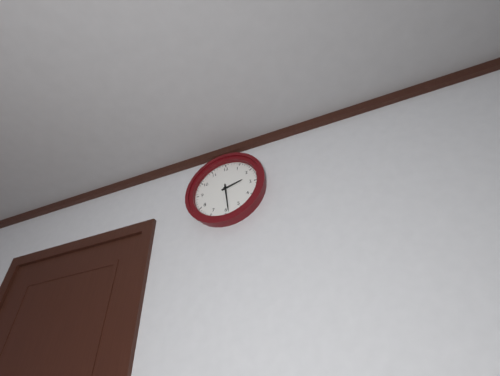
2,29
